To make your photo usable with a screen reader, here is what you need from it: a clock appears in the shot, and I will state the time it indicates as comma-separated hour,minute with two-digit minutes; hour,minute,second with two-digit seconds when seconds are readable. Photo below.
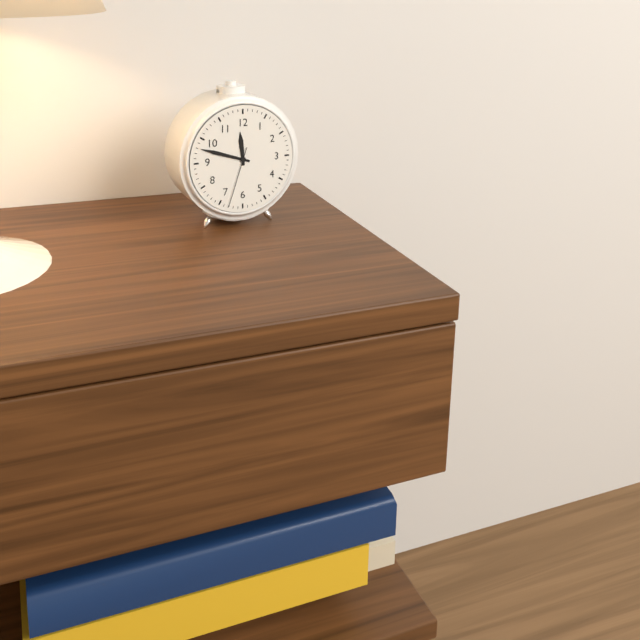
11,48,33
